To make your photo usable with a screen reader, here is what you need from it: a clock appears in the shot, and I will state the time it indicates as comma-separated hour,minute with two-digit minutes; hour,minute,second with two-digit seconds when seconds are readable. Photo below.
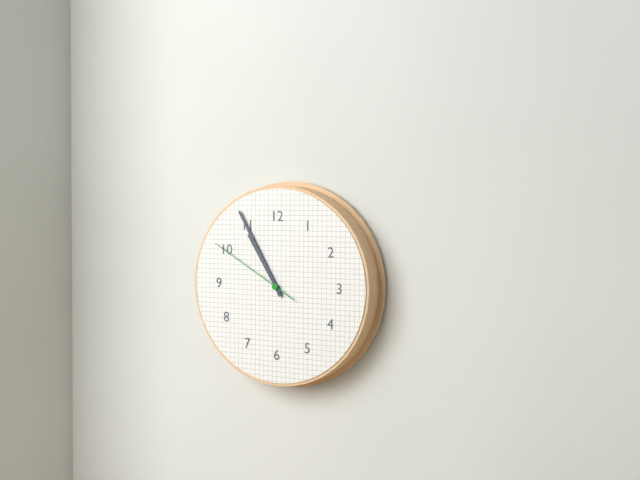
10,55,50
